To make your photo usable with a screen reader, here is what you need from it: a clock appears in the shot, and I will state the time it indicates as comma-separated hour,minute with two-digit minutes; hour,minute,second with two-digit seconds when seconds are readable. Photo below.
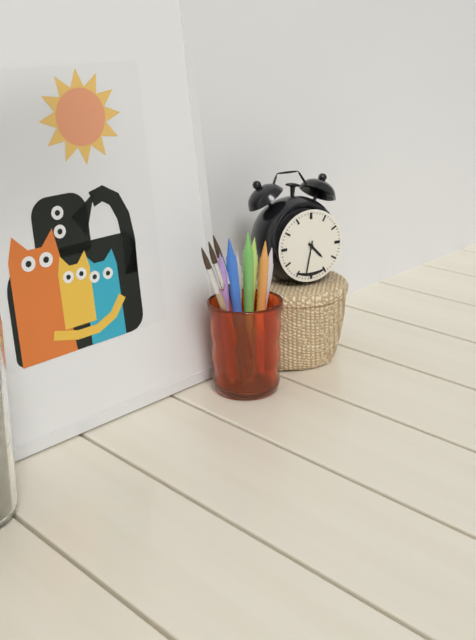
4,32
